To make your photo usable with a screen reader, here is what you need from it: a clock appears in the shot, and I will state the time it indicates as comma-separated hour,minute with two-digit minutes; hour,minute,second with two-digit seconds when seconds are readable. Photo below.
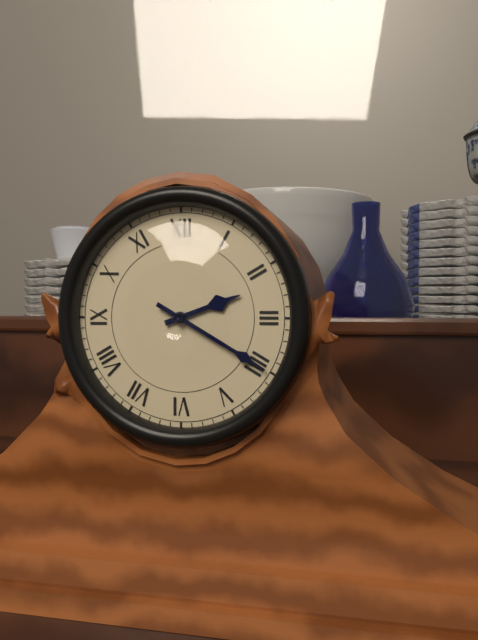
2,20
